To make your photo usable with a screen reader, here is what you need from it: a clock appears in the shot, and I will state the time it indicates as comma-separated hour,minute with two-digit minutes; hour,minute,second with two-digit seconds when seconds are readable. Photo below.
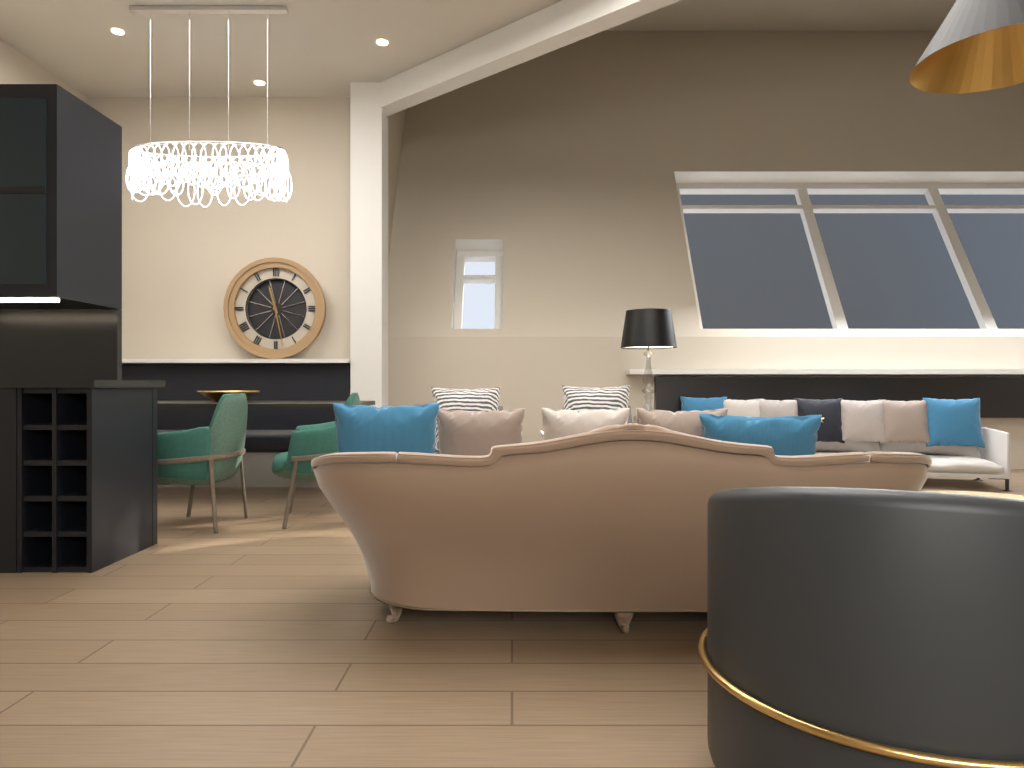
11,28
